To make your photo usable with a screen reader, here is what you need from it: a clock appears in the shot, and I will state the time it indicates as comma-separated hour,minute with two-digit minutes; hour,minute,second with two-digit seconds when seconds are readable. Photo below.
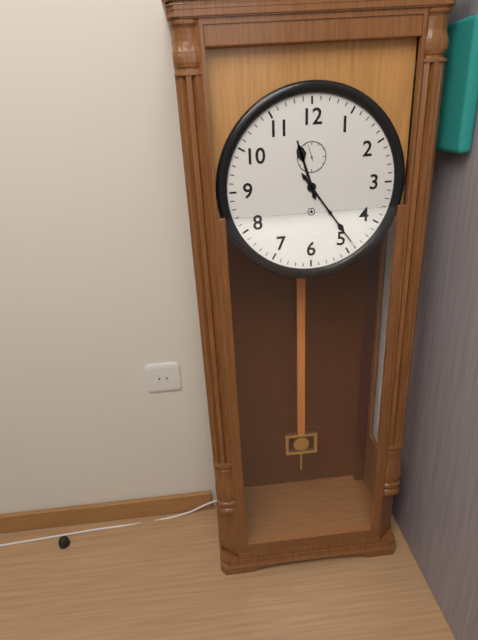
11,24
